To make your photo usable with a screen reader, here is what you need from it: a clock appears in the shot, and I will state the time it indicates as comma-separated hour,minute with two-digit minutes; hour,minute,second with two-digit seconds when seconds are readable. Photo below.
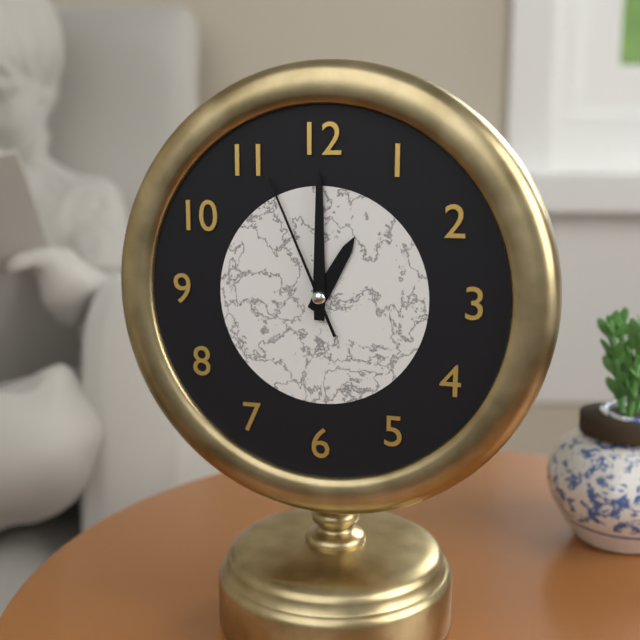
1,00,56
